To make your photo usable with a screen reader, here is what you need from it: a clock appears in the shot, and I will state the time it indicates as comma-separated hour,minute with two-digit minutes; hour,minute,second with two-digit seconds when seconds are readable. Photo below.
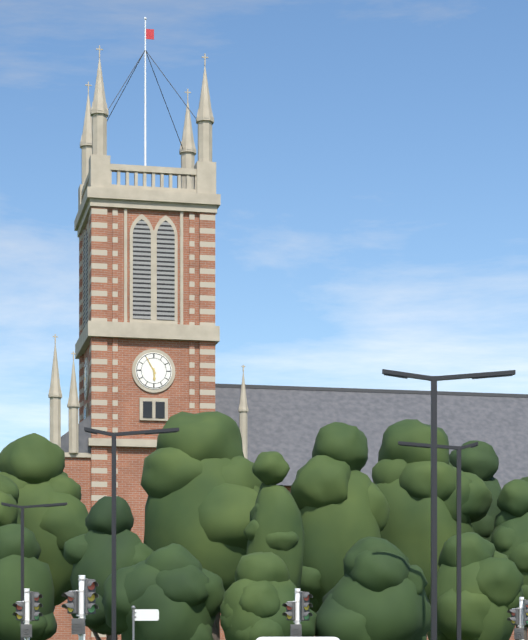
5,55
